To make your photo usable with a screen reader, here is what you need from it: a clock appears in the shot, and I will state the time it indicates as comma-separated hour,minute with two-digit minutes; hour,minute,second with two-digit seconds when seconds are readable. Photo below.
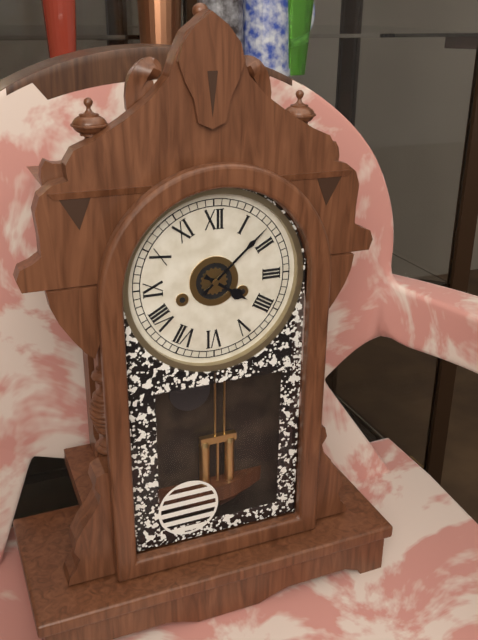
4,08
